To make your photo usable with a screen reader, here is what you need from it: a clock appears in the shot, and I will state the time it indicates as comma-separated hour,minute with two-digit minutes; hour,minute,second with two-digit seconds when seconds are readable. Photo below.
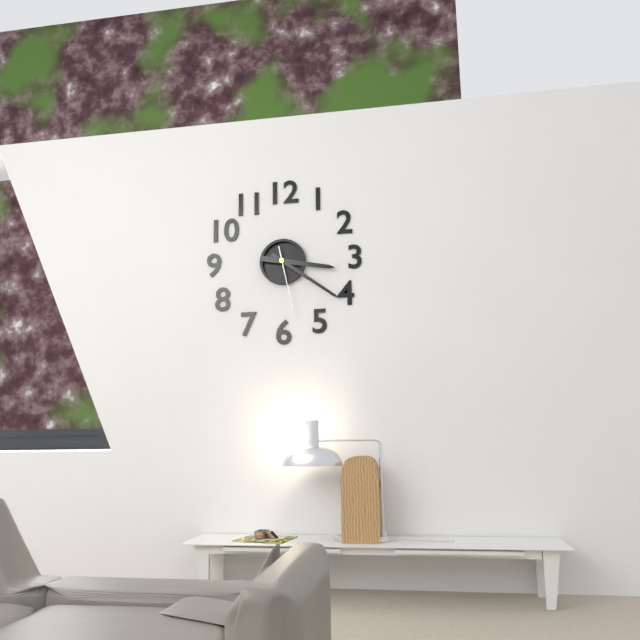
3,21,28
